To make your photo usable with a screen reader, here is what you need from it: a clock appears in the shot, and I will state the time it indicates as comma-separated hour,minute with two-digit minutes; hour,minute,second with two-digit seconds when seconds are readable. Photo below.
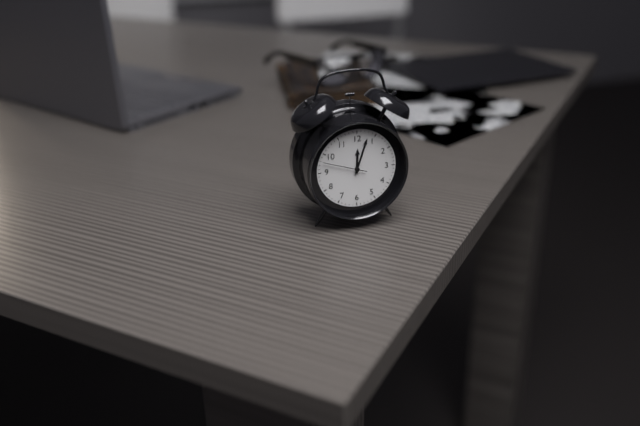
12,03
